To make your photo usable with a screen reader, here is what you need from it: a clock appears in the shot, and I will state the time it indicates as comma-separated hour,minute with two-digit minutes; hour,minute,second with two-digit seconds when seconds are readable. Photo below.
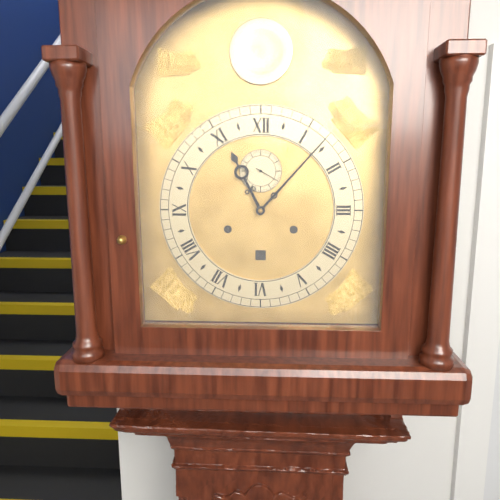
11,07
